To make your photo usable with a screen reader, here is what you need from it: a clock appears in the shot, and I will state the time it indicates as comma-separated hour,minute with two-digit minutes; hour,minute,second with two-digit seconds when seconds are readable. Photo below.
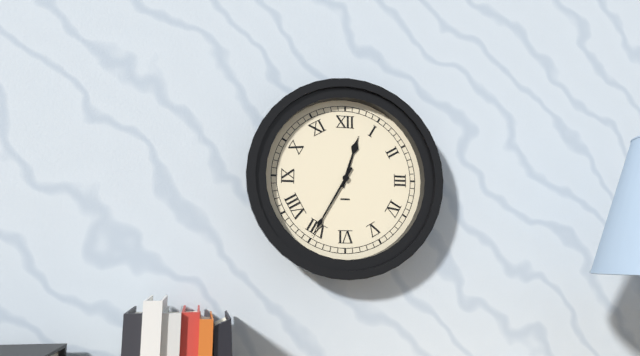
12,35
